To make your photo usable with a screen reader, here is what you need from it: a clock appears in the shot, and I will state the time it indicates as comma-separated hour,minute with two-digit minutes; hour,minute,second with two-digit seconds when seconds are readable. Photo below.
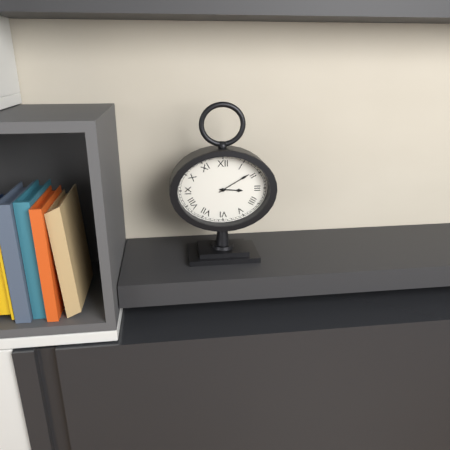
3,10
